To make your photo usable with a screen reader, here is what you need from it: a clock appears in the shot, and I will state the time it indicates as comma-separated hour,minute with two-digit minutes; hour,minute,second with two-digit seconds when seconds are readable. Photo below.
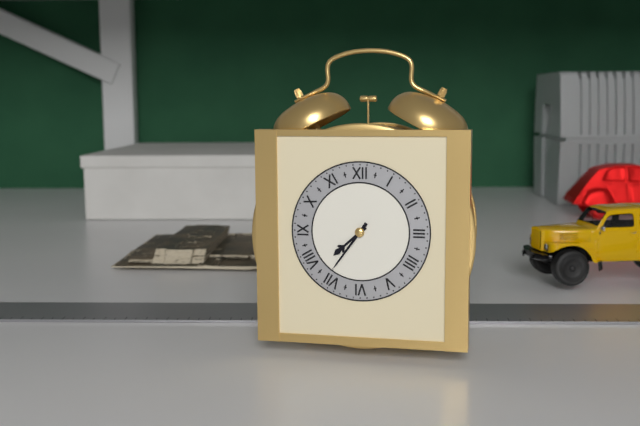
7,36
